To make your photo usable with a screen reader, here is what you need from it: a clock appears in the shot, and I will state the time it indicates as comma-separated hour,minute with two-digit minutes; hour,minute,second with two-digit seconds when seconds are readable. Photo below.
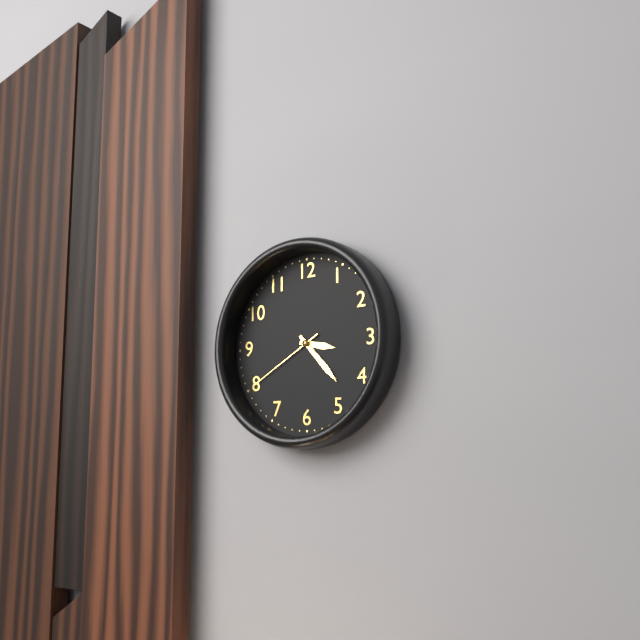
3,23,40
